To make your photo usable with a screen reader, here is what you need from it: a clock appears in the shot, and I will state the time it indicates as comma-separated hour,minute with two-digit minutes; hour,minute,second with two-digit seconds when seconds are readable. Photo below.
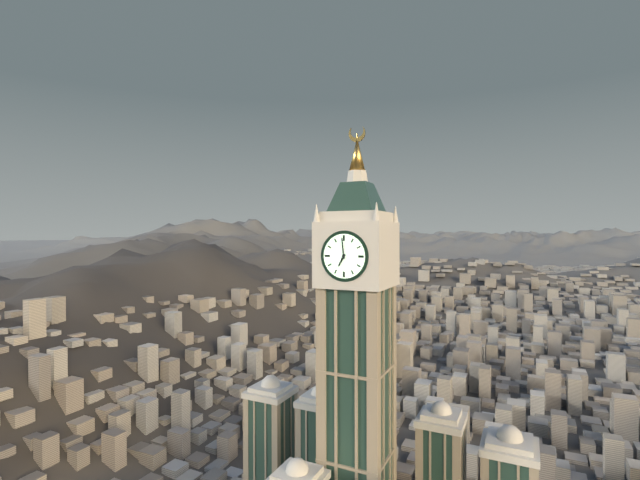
6,59
